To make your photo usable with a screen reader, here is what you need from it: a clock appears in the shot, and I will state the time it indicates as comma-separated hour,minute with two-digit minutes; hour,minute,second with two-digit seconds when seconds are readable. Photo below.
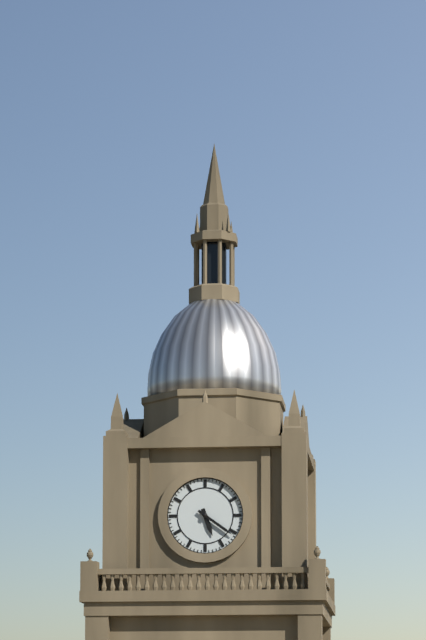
5,21
